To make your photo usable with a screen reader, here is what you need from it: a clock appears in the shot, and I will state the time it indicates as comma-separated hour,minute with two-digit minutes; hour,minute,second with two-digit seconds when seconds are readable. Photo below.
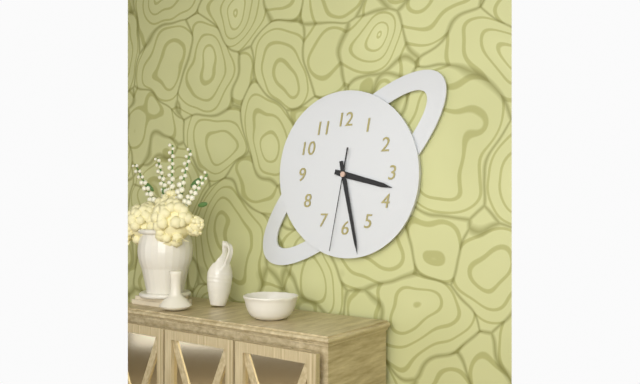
3,28,32
